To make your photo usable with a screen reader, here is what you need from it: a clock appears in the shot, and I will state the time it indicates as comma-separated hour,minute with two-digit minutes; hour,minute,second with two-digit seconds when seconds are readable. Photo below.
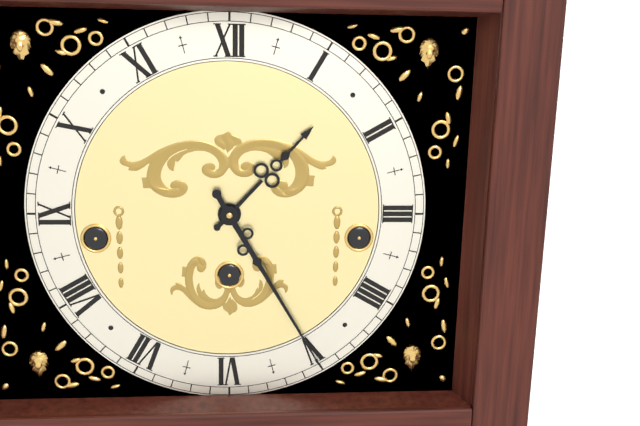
1,25
